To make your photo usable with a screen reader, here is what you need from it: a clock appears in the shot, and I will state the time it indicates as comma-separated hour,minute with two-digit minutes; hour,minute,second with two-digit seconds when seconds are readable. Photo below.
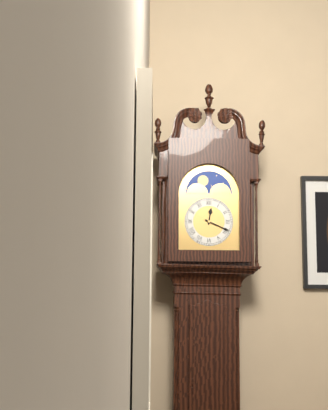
12,19
